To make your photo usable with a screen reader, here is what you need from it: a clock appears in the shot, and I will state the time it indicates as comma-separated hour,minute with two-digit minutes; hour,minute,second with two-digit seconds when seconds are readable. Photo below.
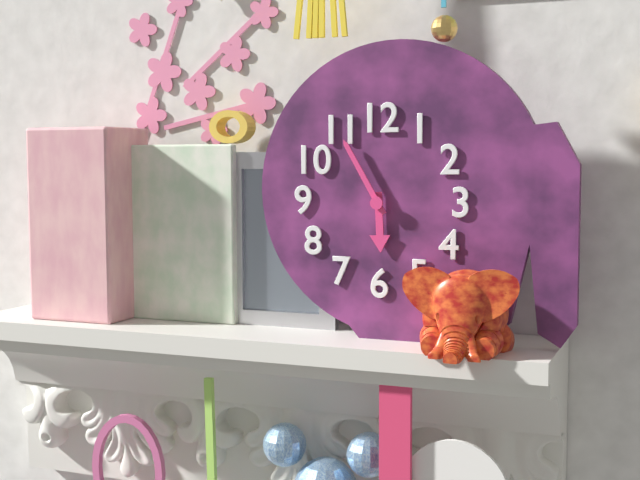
5,55
